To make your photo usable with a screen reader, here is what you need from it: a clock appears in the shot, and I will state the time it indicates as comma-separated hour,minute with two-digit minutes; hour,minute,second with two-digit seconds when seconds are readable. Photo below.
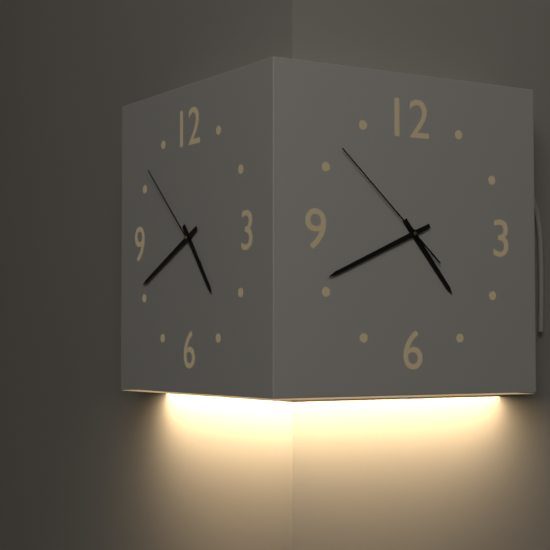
4,41,52
